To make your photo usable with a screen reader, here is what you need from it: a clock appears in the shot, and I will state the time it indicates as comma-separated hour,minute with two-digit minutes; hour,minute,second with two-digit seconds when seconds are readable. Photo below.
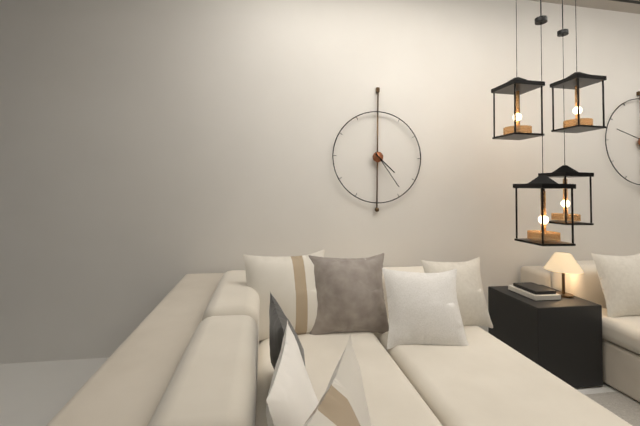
4,24
